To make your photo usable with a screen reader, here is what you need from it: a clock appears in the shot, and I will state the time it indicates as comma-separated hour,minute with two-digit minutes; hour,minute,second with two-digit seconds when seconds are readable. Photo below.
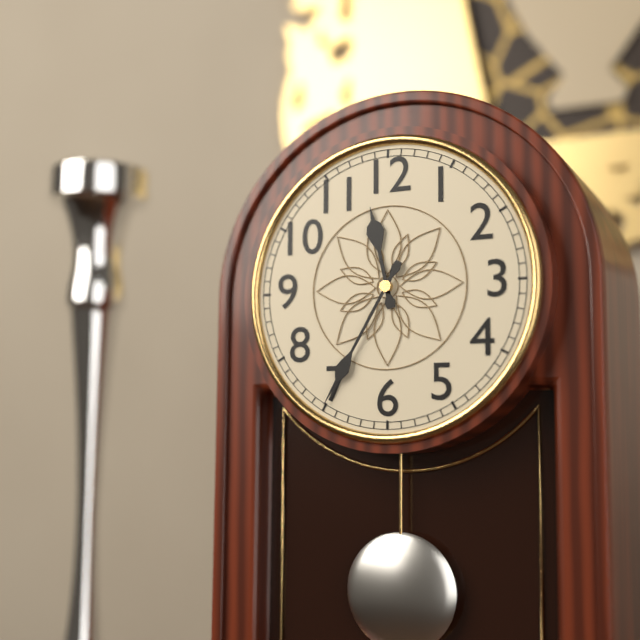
11,35
